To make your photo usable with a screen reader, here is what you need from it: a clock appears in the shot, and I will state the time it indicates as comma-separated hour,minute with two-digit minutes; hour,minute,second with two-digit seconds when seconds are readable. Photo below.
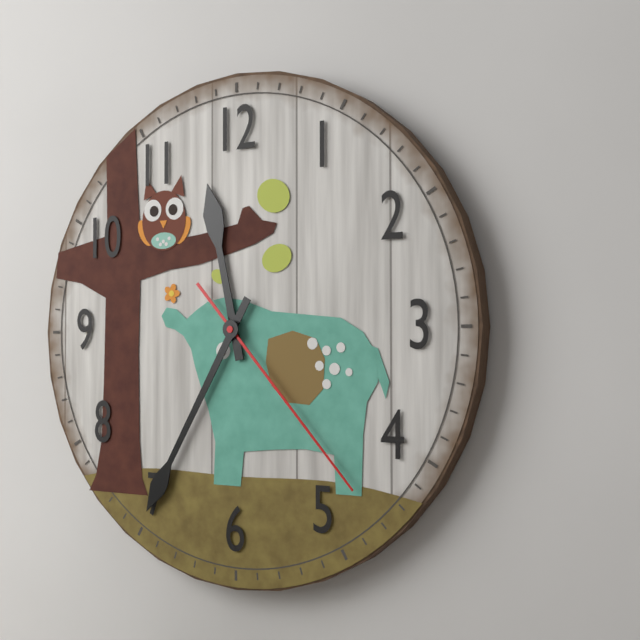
11,35,23
